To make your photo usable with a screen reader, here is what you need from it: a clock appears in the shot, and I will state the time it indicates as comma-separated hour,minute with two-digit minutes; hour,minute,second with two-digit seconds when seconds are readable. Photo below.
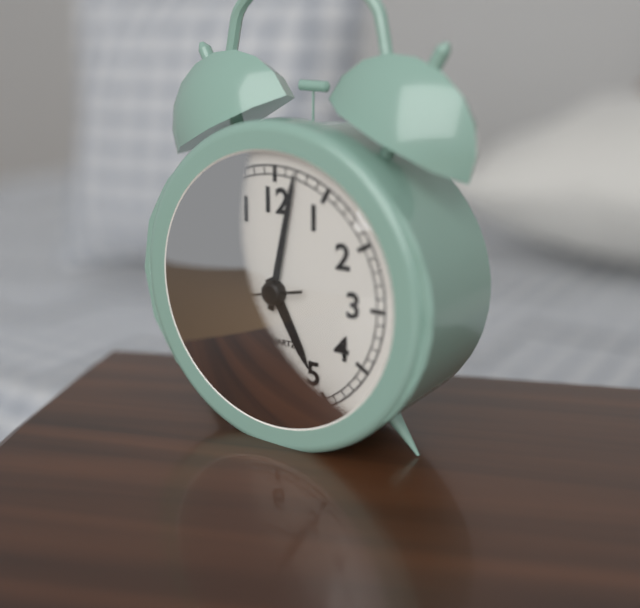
5,02,43
